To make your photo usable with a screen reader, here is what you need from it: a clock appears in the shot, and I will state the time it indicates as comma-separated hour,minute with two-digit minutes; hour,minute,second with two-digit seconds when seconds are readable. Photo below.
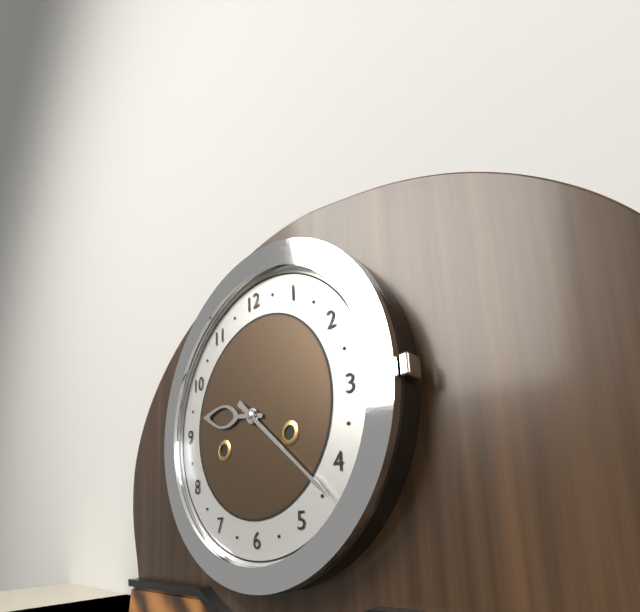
9,22
